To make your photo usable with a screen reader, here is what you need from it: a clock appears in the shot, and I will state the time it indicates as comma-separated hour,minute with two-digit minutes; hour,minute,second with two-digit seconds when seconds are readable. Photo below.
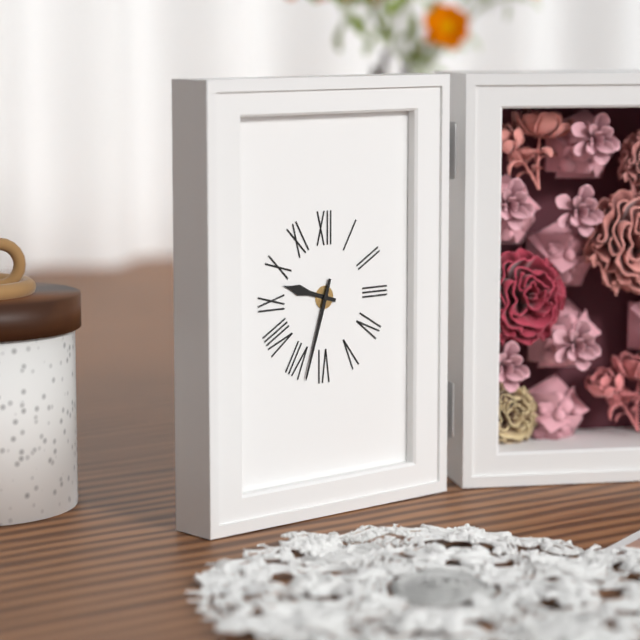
9,33
